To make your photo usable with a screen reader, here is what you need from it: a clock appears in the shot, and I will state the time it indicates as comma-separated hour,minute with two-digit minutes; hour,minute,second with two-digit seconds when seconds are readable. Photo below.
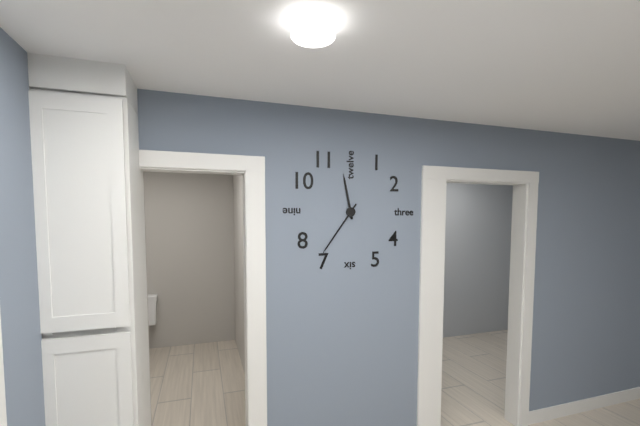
11,36
